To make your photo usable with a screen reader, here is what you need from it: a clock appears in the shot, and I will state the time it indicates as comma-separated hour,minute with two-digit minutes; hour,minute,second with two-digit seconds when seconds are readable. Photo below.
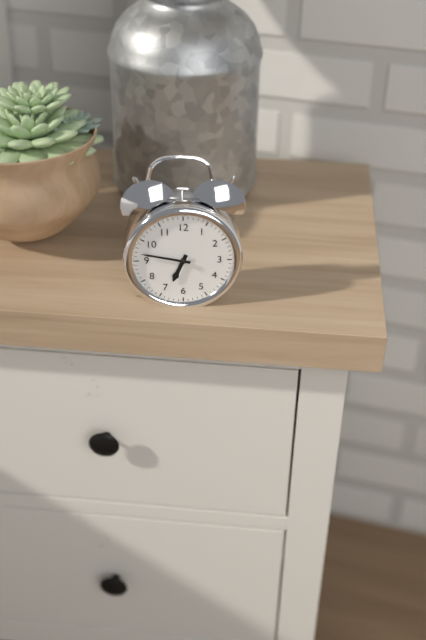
6,47
